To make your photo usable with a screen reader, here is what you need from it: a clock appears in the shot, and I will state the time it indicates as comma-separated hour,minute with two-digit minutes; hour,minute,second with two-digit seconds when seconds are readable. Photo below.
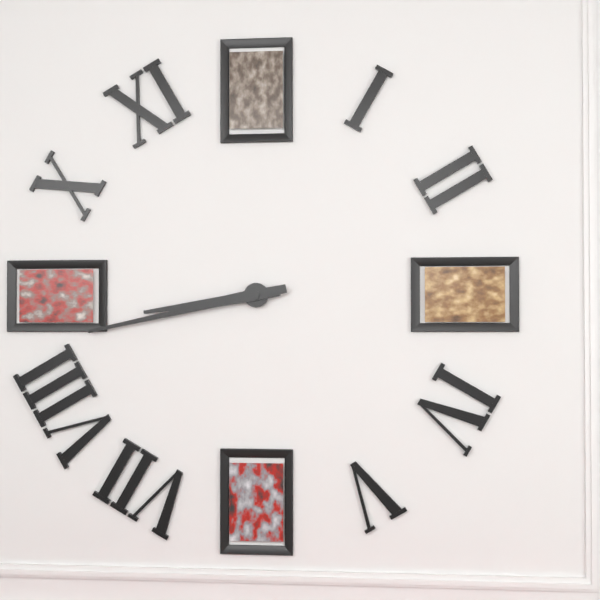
8,43
